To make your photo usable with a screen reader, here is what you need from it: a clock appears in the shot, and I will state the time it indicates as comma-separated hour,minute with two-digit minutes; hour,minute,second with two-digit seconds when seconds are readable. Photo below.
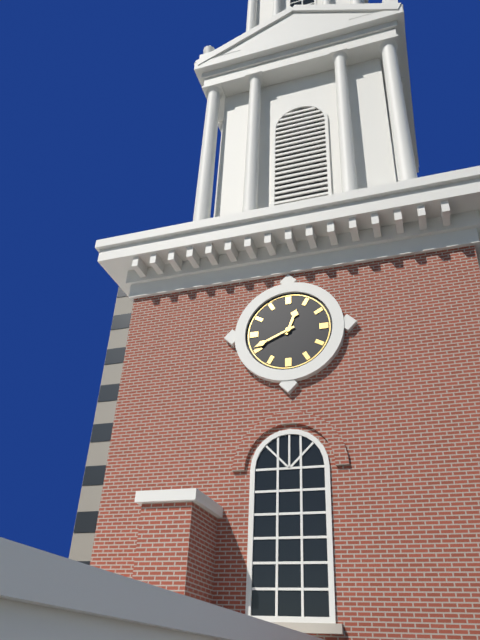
12,41
